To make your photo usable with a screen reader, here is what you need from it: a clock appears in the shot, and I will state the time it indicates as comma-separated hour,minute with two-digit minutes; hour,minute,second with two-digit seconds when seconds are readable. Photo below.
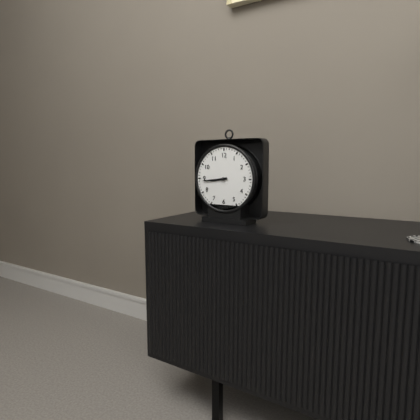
8,44
